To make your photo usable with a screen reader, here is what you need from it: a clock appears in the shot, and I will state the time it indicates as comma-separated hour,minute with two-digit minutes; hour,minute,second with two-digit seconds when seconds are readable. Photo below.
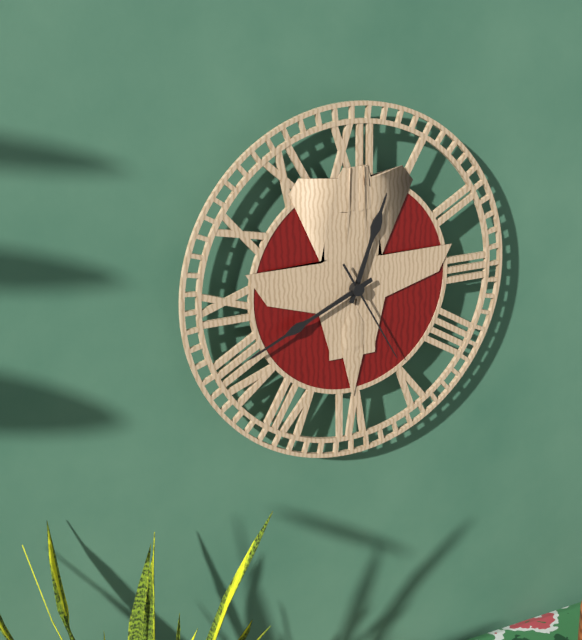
12,41,25
